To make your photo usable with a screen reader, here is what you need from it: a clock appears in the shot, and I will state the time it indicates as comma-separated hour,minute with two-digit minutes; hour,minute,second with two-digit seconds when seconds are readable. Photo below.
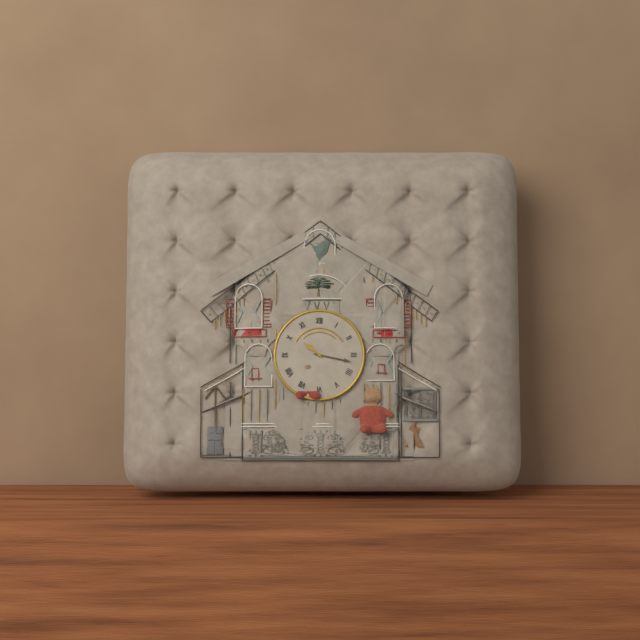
10,17
